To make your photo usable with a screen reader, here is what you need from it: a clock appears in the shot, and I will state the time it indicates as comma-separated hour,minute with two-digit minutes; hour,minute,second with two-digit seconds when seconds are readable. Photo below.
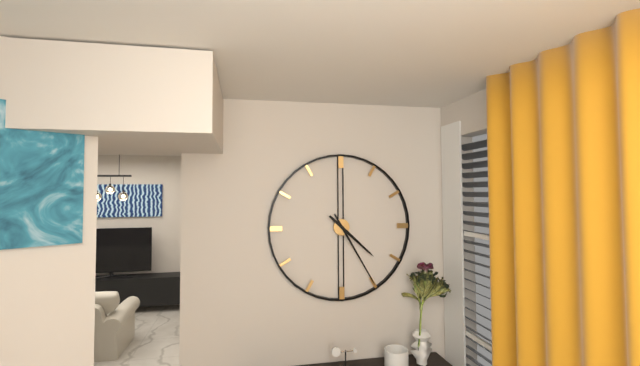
4,25
